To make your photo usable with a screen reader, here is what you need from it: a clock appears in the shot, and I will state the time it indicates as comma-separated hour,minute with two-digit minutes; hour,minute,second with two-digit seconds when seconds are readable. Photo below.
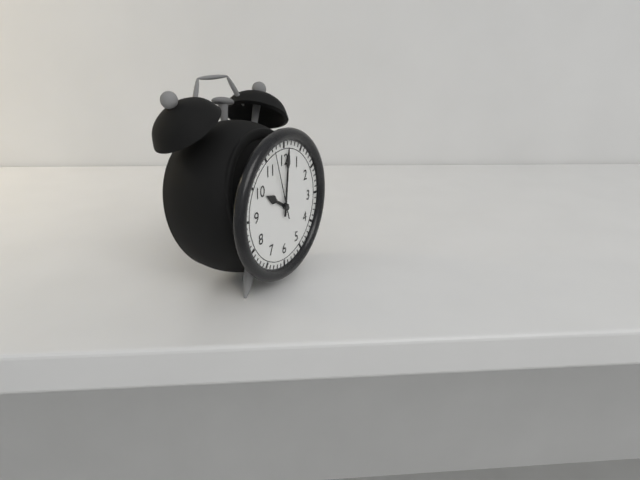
10,01,57
